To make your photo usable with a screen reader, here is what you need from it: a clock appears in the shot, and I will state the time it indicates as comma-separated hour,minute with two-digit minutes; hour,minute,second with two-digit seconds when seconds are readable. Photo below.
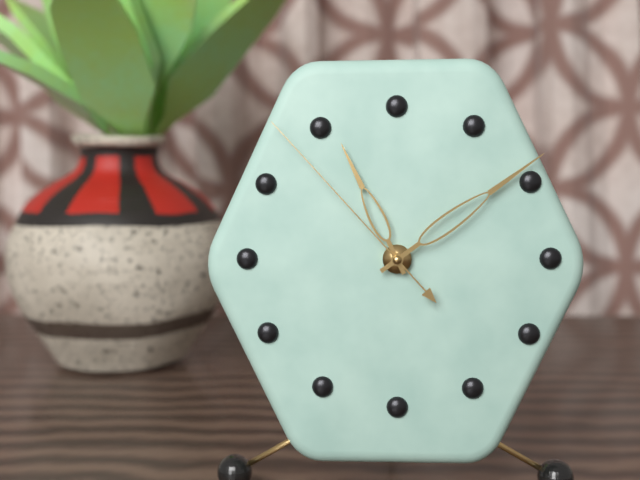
11,09,53
